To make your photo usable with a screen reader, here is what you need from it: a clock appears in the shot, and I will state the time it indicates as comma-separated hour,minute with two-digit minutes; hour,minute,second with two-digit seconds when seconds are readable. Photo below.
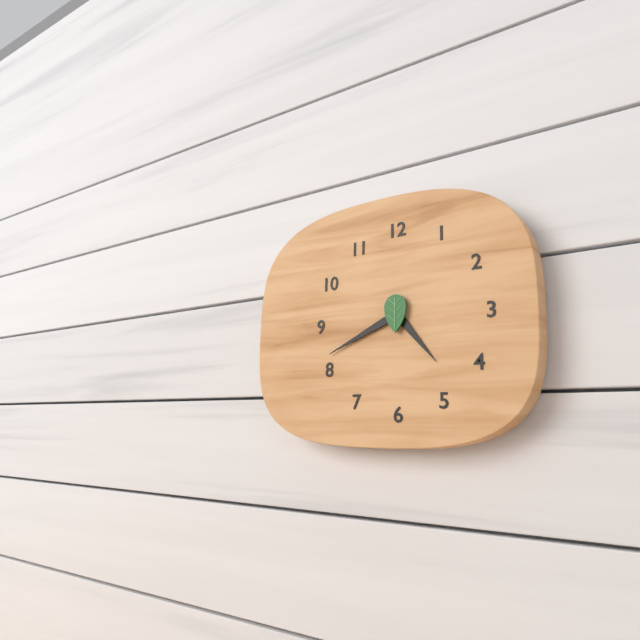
4,41
